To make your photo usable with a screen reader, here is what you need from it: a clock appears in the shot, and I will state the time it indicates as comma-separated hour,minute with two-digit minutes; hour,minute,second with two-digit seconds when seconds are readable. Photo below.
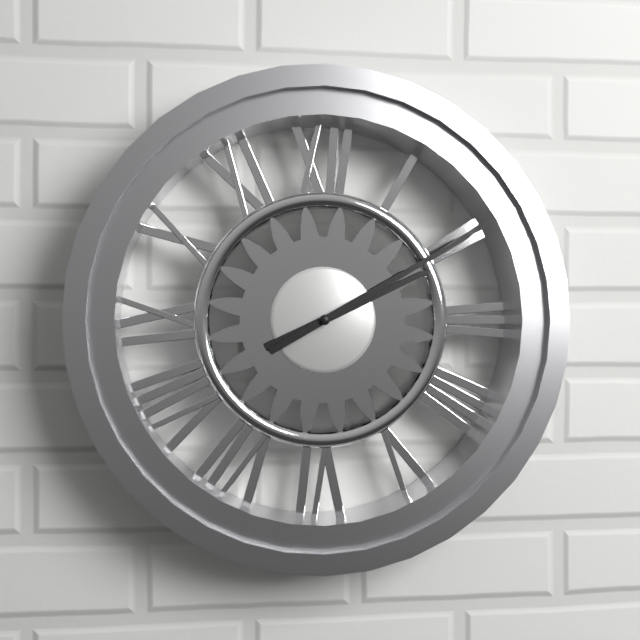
2,10
